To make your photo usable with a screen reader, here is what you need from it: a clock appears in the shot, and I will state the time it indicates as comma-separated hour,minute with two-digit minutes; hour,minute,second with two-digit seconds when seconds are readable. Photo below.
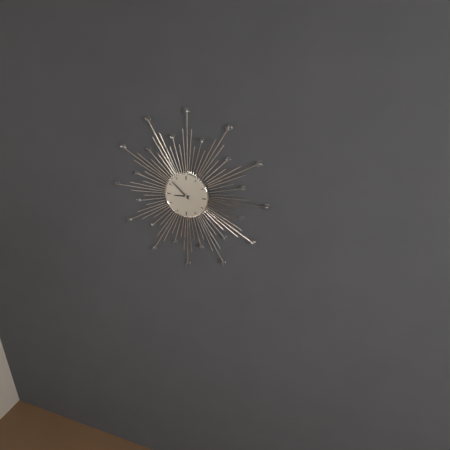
8,52
